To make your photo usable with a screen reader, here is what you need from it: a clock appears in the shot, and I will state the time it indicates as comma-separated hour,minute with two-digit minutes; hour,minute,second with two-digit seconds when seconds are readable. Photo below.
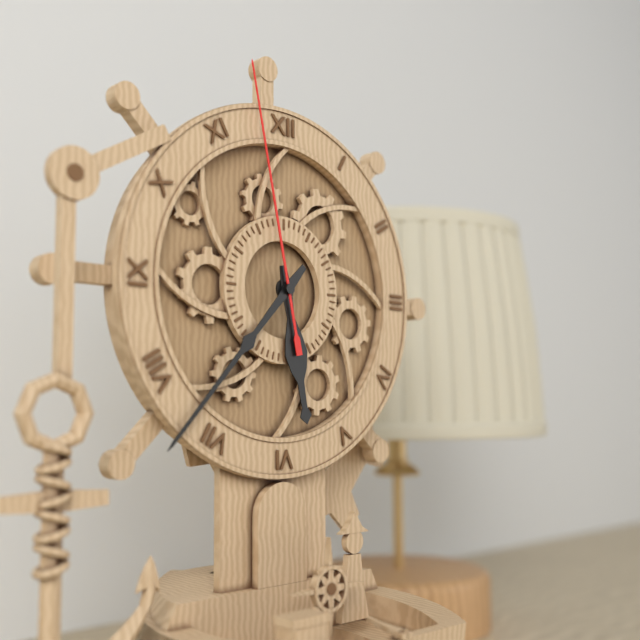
5,37,58
